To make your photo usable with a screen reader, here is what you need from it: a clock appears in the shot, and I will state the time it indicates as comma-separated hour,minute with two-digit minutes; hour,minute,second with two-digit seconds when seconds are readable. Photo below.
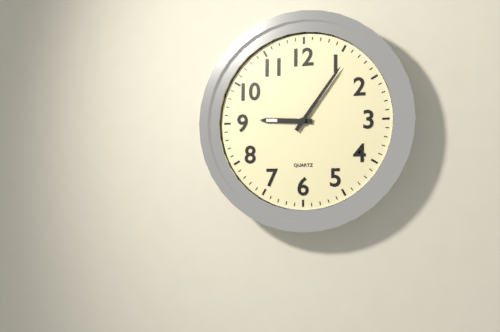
9,06
